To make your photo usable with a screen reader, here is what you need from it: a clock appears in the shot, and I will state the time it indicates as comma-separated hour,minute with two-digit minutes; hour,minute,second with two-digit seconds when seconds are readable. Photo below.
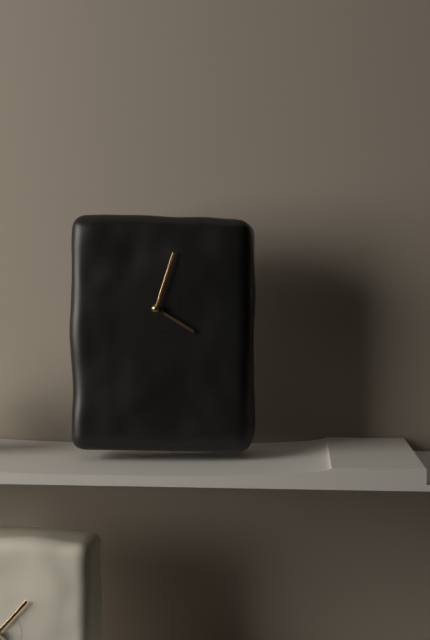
4,03
